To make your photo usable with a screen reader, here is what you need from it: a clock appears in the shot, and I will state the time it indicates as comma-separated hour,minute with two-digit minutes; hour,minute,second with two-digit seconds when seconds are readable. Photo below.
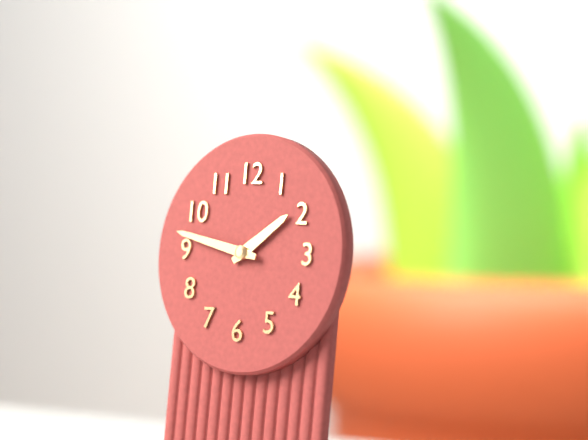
1,47
